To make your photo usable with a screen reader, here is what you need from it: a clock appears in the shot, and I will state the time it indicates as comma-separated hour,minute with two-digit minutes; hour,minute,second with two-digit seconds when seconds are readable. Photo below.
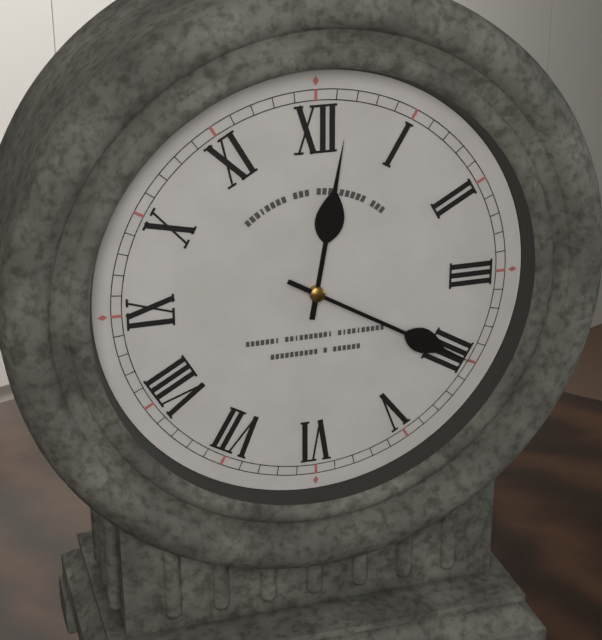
12,20
